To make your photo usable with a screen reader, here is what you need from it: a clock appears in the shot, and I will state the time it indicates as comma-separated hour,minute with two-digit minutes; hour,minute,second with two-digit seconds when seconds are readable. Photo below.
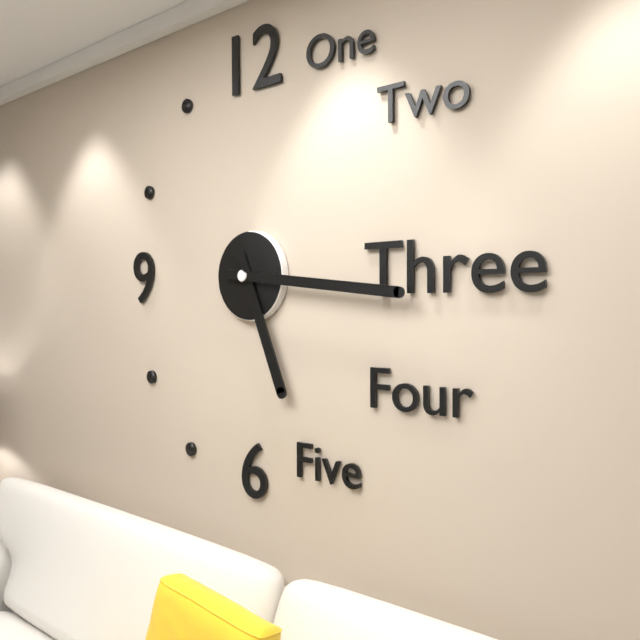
5,16
